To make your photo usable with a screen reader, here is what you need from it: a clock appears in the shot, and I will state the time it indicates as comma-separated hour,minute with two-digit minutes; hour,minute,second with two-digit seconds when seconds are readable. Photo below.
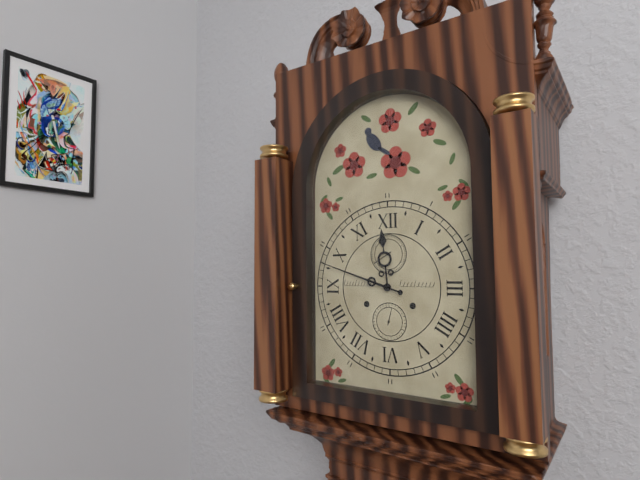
11,48
